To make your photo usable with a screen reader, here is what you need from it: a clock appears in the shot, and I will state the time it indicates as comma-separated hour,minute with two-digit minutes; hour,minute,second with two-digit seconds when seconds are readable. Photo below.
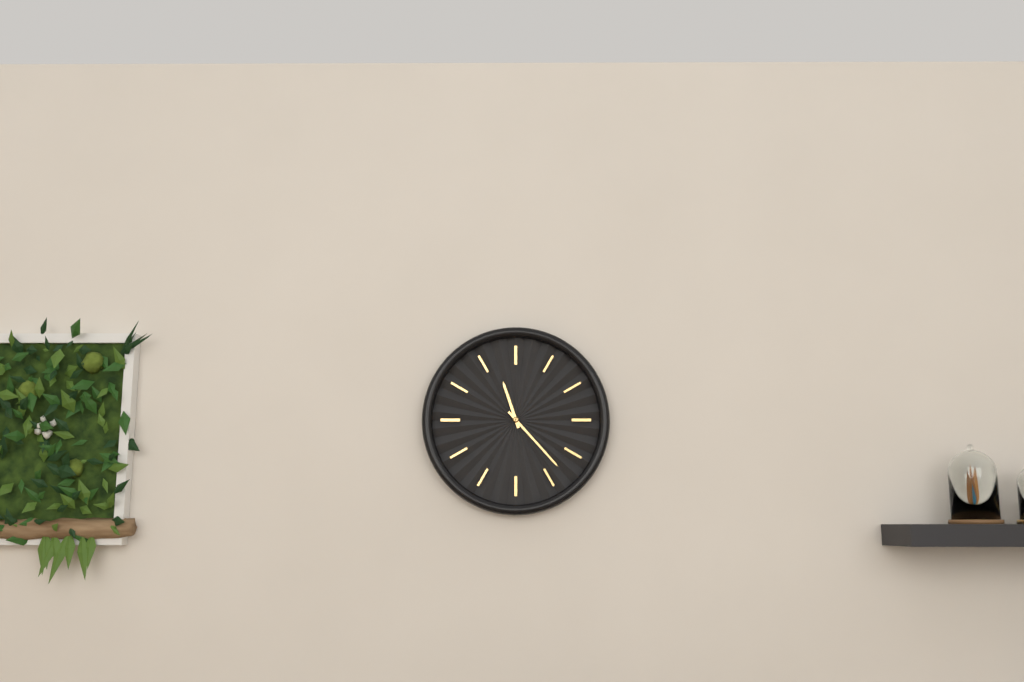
11,23
